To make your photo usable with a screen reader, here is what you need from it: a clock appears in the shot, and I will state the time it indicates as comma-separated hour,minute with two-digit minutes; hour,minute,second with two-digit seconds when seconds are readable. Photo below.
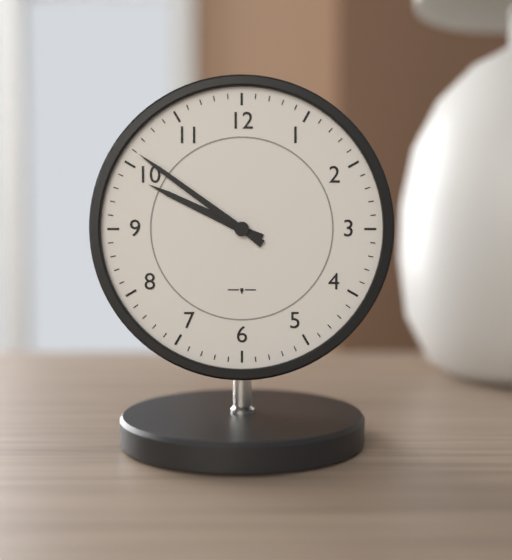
9,51
